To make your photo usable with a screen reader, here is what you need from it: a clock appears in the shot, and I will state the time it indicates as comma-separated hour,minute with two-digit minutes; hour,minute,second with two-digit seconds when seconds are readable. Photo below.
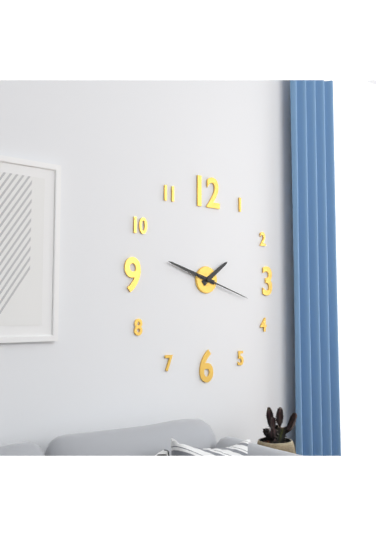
1,48,18
